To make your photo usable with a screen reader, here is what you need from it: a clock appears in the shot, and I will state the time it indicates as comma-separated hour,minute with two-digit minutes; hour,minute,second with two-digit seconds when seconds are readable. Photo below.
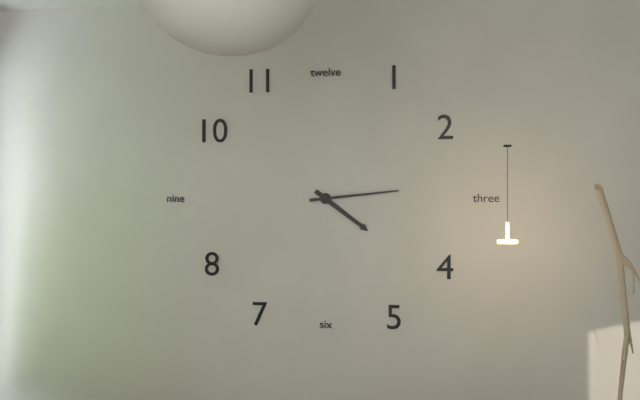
4,14
